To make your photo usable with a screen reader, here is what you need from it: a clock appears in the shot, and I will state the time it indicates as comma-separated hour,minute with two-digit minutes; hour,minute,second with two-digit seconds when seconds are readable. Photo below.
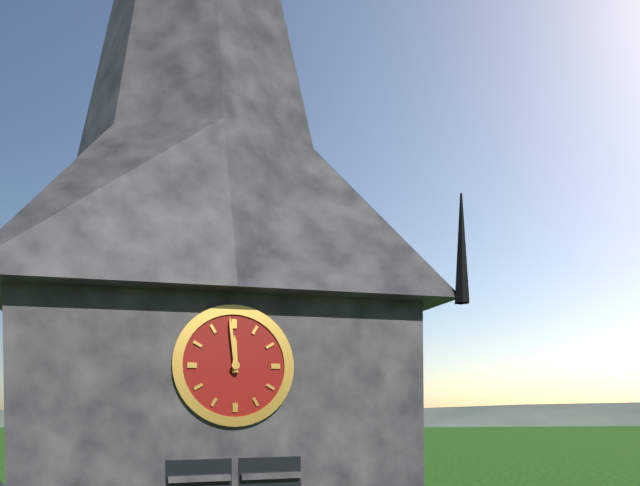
11,59
